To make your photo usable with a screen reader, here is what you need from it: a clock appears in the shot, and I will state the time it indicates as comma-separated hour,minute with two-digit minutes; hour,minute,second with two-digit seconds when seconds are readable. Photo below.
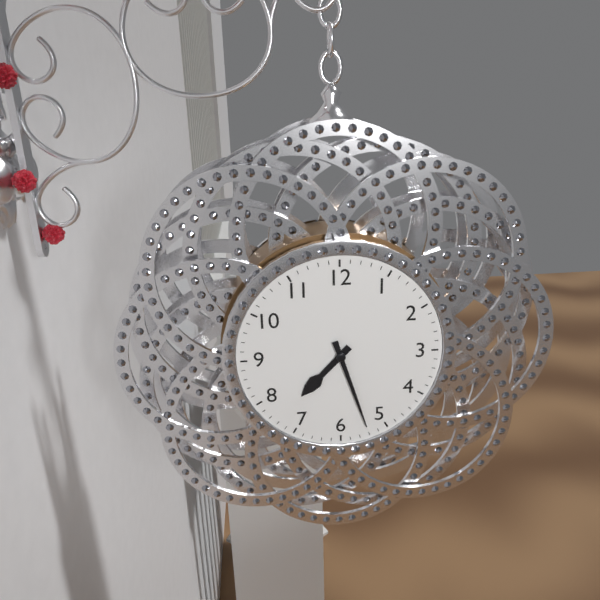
7,27
